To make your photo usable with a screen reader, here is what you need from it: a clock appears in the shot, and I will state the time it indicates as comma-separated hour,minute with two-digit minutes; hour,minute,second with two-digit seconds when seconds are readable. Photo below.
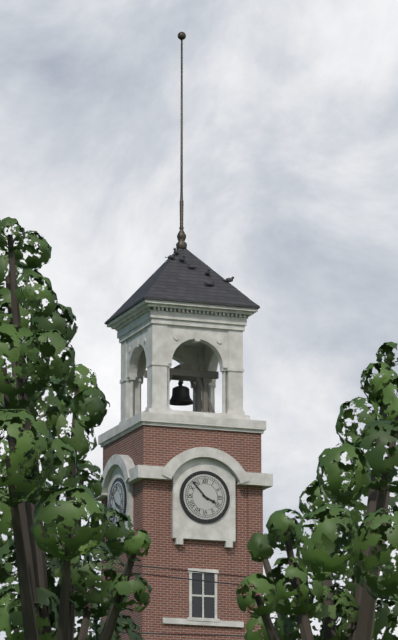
3,53
